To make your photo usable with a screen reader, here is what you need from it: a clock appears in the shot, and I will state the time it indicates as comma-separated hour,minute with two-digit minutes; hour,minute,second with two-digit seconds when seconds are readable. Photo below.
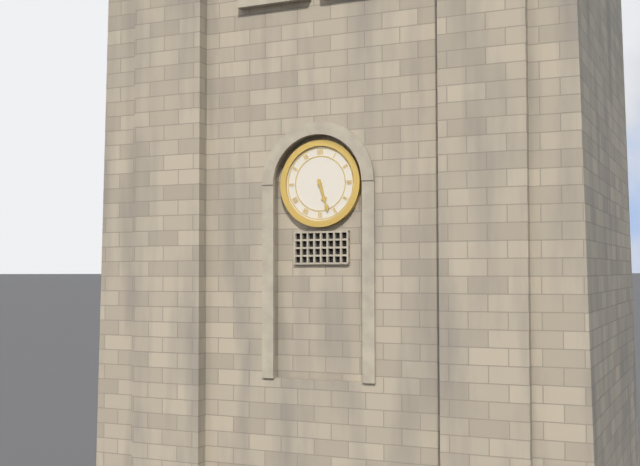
5,27
